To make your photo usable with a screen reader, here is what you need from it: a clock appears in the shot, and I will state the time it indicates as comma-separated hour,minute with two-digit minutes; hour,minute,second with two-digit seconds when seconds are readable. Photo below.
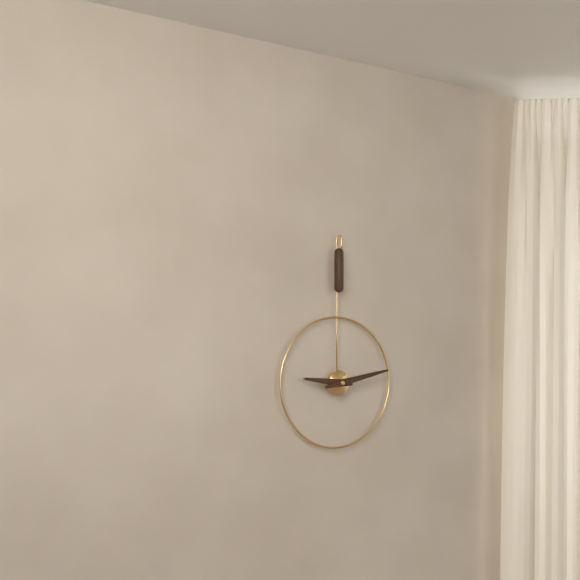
9,13
